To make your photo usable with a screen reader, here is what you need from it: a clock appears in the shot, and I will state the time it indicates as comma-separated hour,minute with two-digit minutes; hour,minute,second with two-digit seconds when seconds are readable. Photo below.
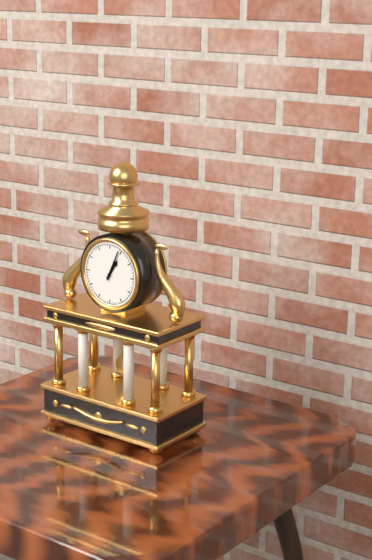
1,04
